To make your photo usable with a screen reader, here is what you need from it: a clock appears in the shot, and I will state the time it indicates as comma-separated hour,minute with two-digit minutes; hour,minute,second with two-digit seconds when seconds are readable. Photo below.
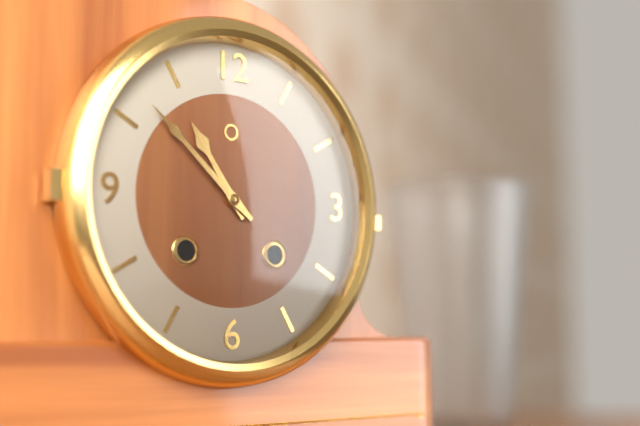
10,52
